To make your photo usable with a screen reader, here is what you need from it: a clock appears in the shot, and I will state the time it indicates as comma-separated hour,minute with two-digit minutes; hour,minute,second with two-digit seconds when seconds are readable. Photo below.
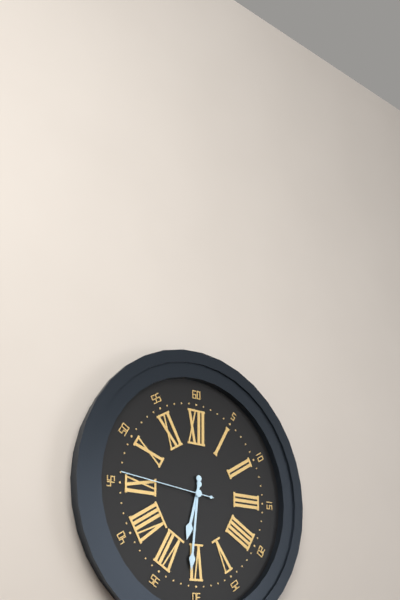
6,31,46
